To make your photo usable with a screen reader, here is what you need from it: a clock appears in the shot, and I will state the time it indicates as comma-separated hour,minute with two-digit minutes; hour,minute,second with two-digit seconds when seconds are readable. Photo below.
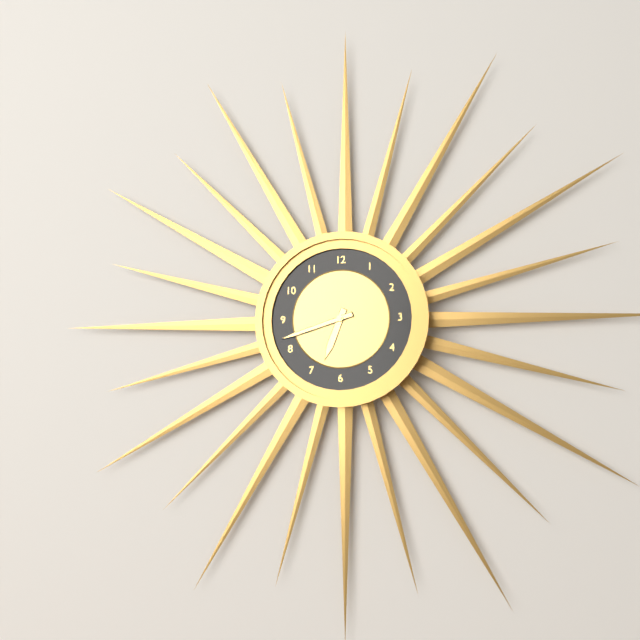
6,42
